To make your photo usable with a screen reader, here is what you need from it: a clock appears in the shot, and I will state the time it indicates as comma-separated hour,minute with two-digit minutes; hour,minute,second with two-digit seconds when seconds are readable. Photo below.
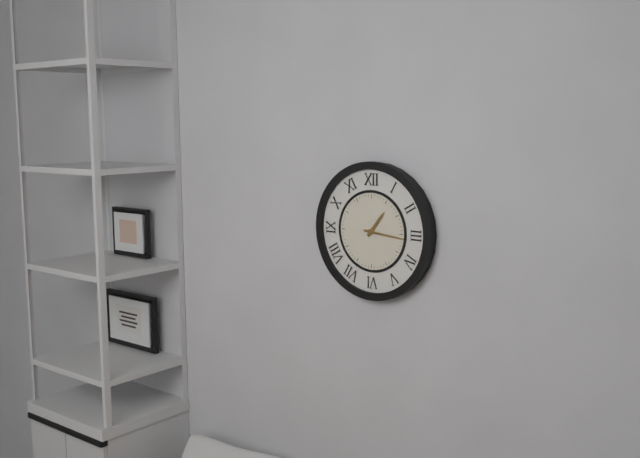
1,16
